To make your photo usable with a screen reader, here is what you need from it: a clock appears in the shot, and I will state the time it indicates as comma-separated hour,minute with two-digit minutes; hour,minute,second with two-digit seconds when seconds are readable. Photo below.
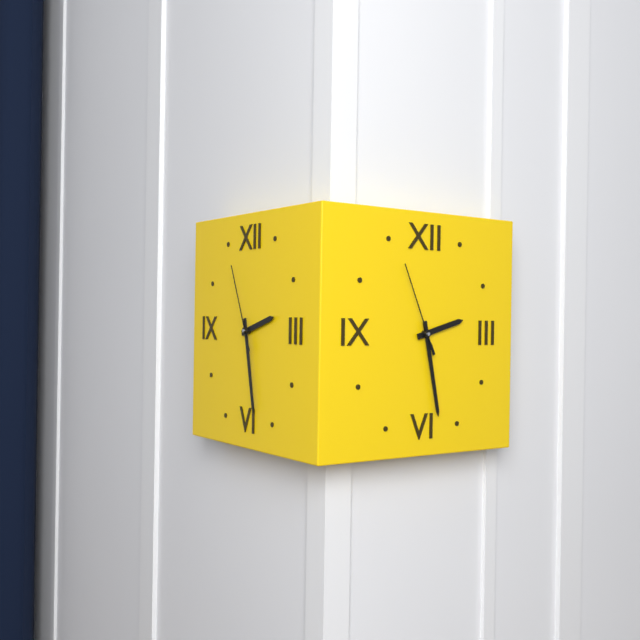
2,28,56
